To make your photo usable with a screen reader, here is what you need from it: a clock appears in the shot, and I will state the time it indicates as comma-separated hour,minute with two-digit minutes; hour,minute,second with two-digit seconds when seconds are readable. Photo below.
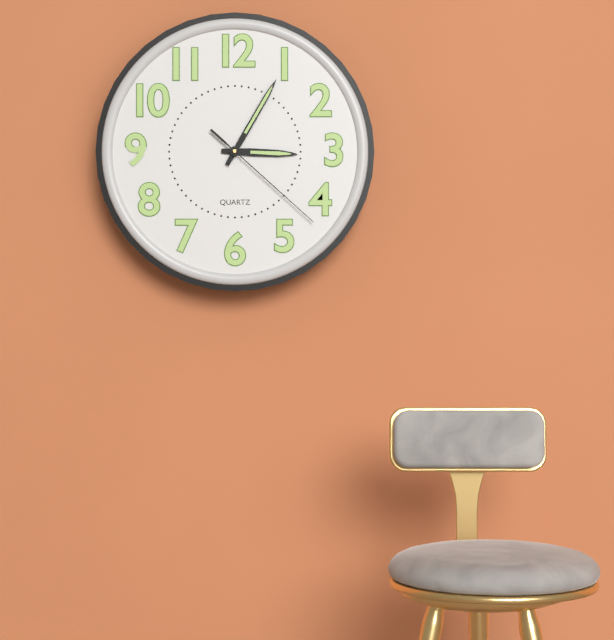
3,05,22
